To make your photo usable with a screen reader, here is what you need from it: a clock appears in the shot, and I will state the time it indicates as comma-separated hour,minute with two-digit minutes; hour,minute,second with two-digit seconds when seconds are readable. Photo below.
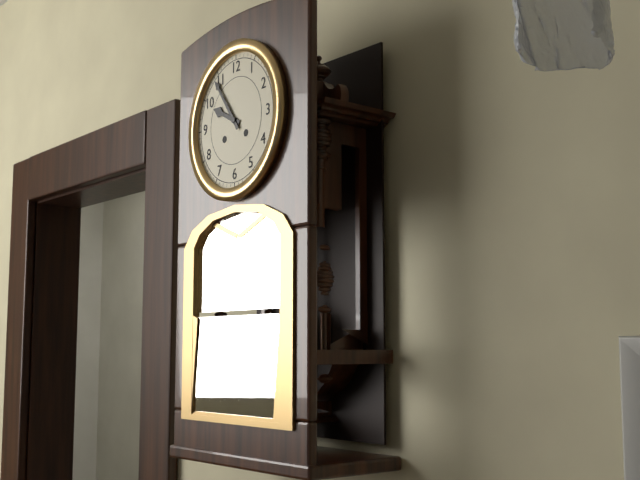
9,54
